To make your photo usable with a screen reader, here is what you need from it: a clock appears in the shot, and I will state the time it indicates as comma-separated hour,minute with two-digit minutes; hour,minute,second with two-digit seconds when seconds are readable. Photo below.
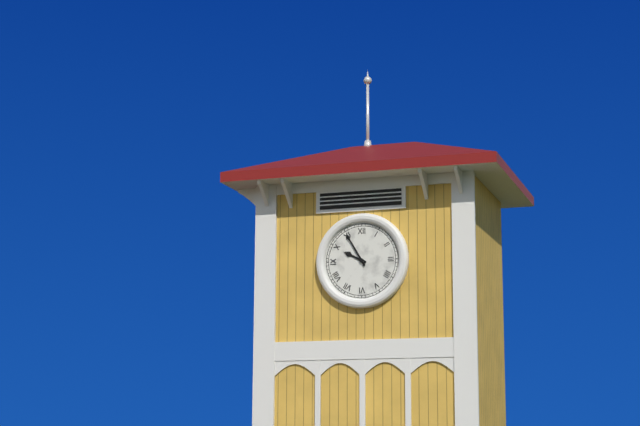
9,55
